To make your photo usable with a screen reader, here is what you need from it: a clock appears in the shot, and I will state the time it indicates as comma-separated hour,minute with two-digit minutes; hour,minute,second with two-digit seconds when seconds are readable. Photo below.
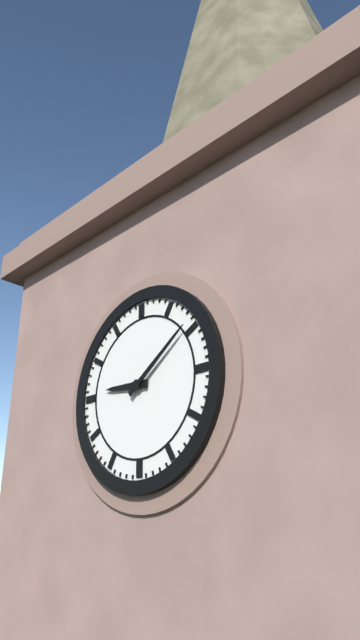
9,09
